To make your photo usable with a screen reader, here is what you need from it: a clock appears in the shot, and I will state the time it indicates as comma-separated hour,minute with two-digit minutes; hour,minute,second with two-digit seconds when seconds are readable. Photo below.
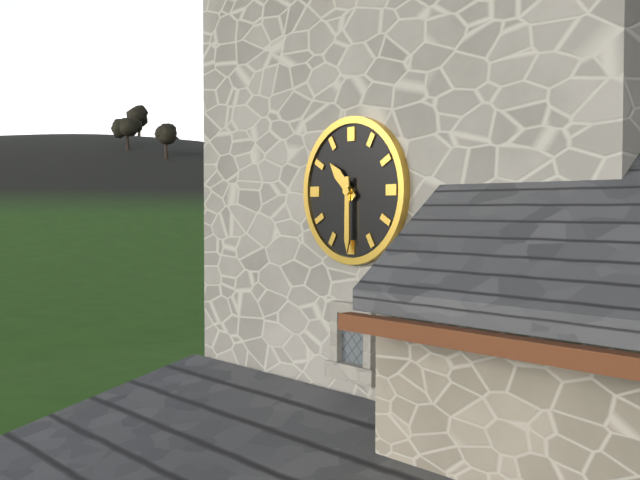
10,30
